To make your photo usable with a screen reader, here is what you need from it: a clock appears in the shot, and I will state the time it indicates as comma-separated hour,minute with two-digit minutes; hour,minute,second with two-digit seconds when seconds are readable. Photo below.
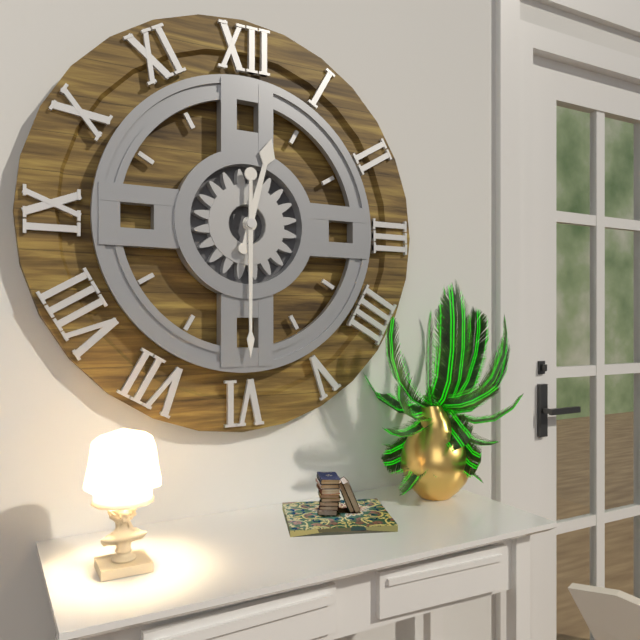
12,30
